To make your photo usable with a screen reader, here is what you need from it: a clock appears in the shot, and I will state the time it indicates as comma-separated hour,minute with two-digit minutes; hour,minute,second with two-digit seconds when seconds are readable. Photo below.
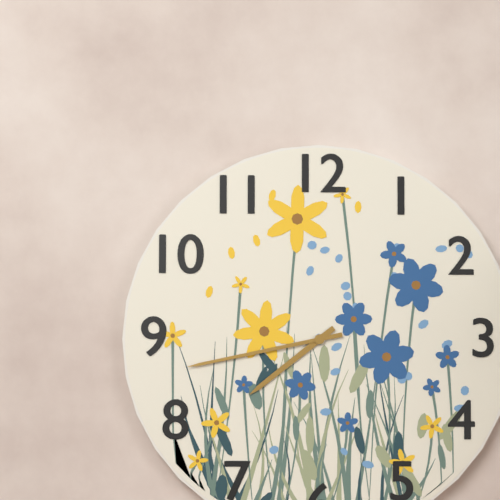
7,43
